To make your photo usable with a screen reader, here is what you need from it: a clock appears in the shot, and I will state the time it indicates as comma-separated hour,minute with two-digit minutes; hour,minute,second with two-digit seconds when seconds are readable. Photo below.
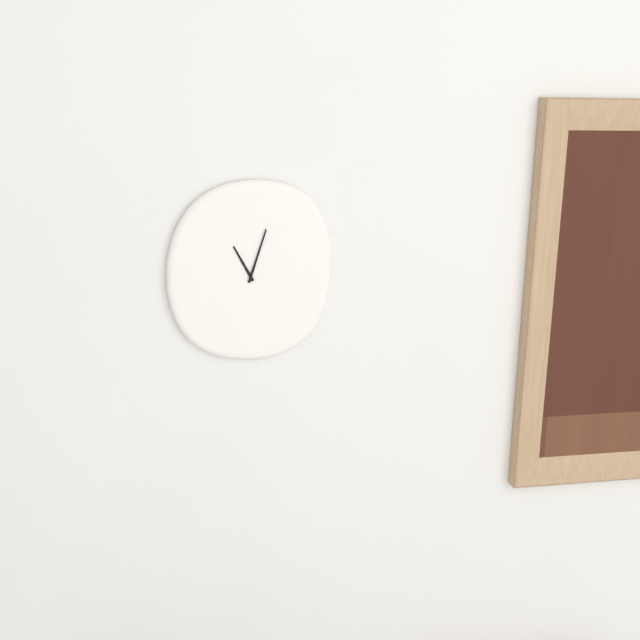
11,03
